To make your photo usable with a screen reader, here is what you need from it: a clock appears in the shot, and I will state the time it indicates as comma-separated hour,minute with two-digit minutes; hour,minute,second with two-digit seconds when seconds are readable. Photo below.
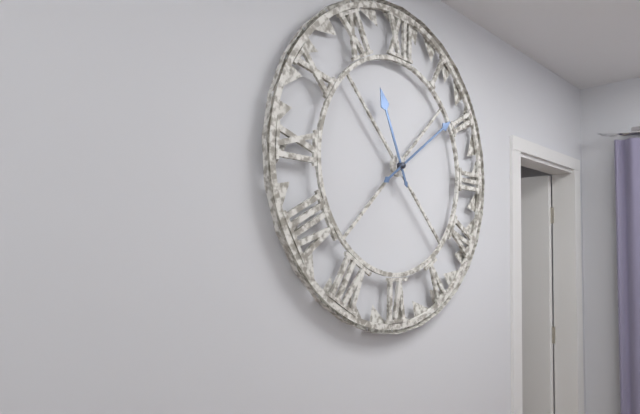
11,09
